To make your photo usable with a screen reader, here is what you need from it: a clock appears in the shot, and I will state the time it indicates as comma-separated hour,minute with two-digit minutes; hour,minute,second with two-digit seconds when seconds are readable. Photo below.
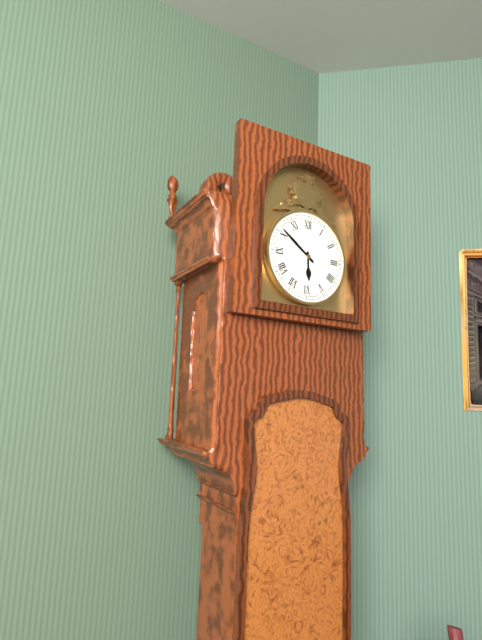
5,51
